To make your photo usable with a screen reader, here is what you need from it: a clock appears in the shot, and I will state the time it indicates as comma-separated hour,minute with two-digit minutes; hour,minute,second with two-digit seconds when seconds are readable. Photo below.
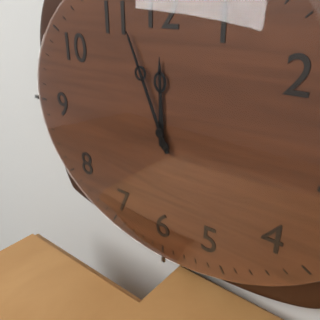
11,56
